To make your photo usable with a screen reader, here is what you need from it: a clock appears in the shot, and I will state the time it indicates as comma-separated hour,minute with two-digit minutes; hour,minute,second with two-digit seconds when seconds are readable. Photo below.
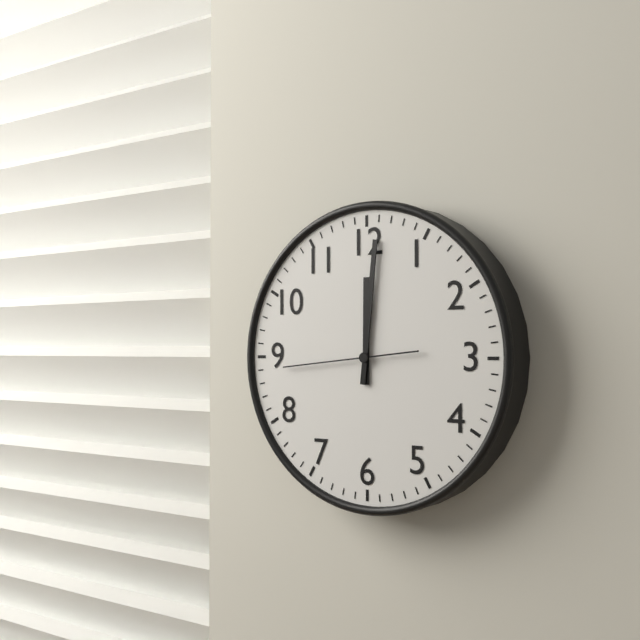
12,01,44
